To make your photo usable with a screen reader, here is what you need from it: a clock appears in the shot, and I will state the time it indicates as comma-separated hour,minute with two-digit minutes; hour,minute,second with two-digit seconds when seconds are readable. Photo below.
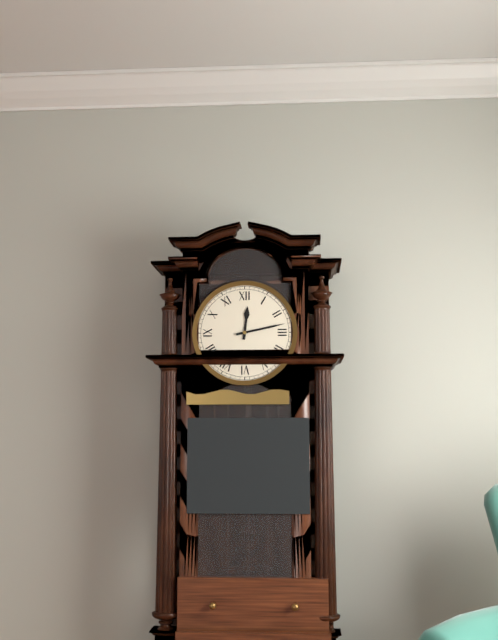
12,13
